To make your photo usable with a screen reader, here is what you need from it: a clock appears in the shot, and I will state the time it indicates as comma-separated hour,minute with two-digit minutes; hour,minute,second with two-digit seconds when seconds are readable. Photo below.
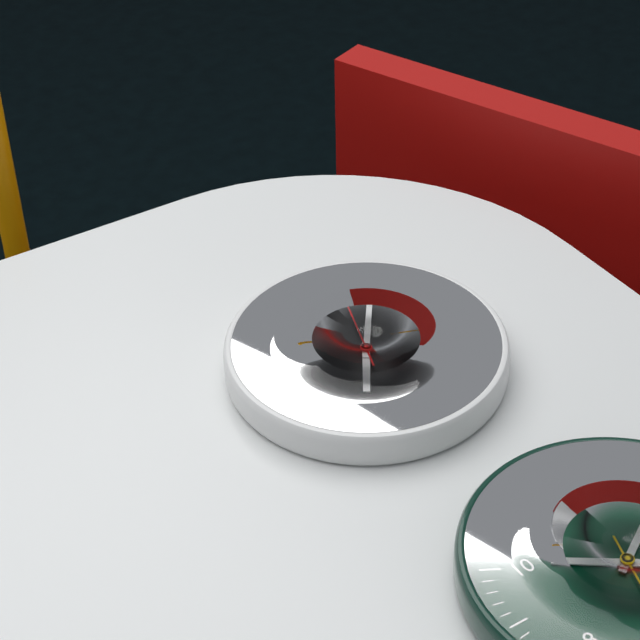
7,06,03
